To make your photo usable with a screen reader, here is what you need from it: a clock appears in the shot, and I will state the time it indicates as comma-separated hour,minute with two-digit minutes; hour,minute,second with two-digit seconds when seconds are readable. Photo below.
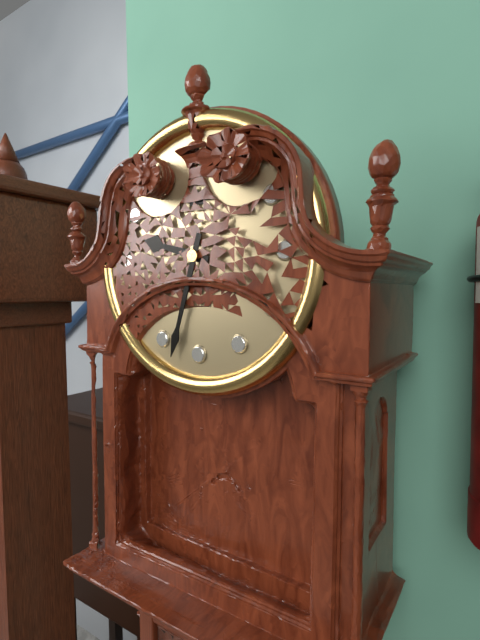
9,33
